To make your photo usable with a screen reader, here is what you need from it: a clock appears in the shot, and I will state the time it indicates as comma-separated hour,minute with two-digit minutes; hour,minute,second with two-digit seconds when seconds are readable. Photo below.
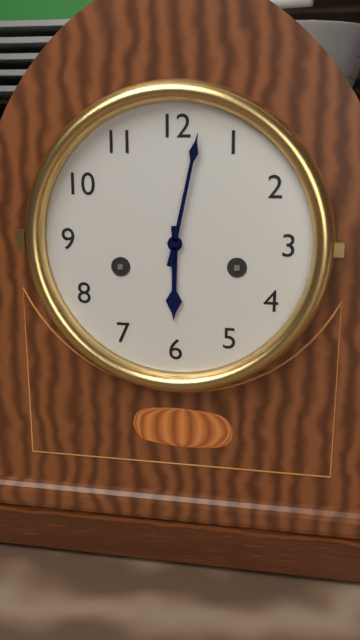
6,02
